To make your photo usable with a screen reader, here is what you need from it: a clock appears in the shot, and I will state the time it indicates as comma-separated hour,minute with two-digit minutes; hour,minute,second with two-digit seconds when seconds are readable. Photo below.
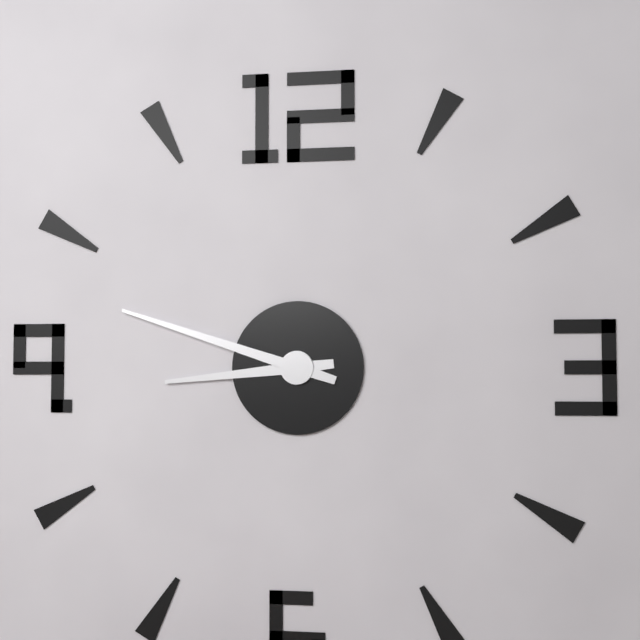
8,48
